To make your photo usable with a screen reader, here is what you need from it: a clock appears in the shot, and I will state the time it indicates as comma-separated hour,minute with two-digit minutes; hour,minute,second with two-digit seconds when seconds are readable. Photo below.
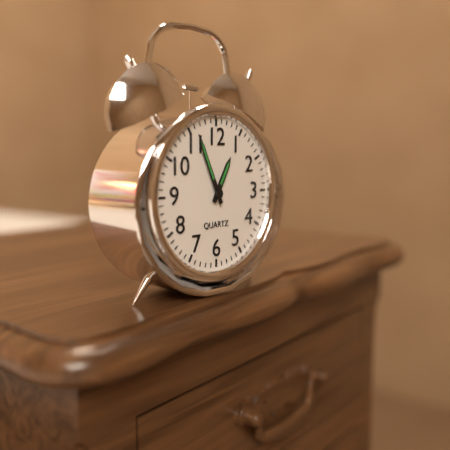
12,56
